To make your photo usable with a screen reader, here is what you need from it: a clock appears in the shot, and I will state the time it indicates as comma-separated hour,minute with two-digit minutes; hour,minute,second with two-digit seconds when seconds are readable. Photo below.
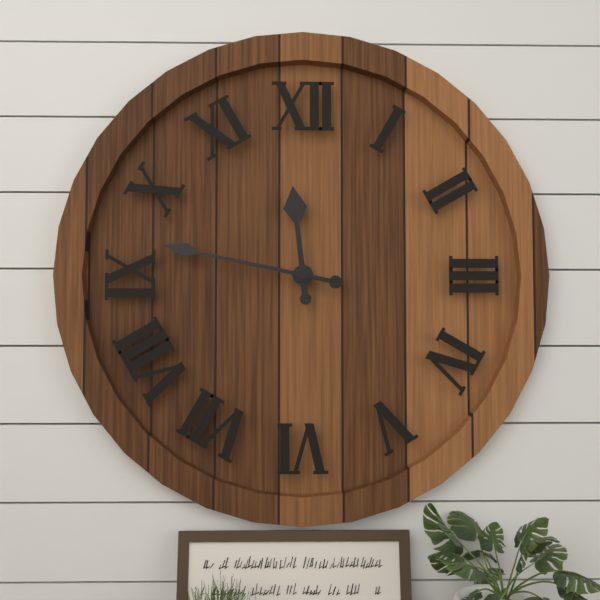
11,47
